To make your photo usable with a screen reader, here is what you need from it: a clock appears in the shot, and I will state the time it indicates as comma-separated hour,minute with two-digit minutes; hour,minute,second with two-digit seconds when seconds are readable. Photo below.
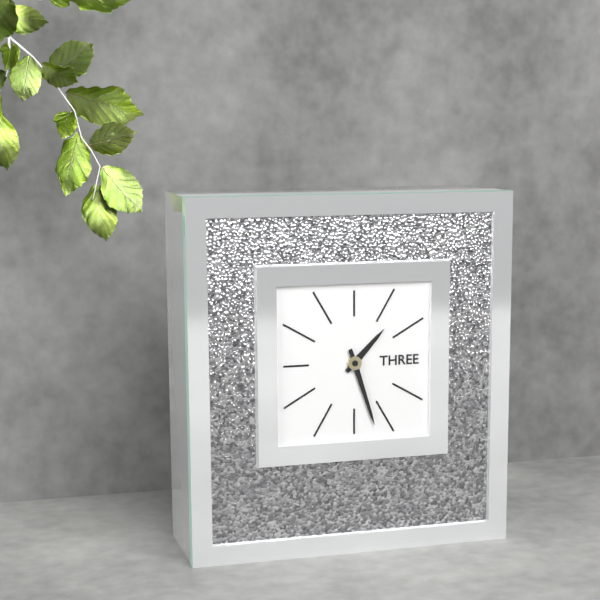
1,27
